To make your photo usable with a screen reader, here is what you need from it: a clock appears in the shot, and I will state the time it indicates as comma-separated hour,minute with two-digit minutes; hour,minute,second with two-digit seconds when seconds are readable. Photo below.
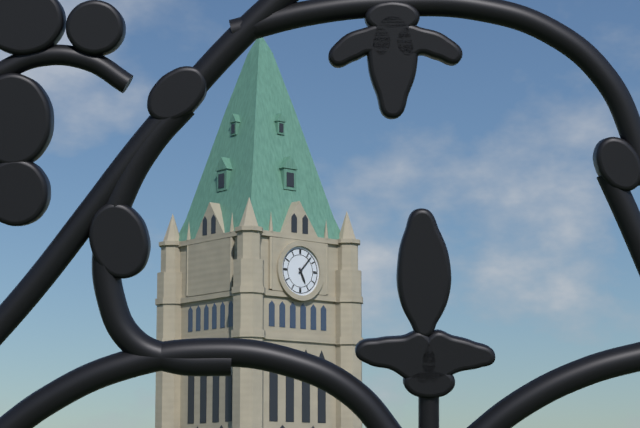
5,07
